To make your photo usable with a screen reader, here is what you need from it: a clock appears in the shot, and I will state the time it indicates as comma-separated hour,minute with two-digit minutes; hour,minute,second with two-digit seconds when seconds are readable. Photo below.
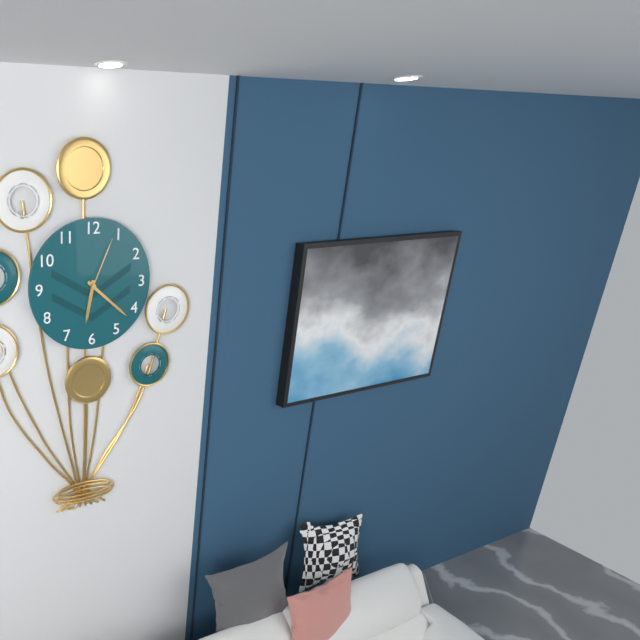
6,22,04
